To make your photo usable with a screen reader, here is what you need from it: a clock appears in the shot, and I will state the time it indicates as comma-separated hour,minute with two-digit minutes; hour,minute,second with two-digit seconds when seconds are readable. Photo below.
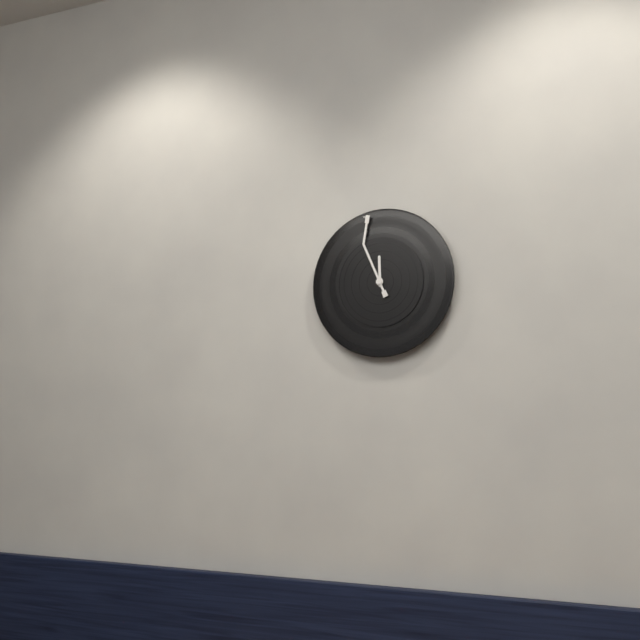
11,56
